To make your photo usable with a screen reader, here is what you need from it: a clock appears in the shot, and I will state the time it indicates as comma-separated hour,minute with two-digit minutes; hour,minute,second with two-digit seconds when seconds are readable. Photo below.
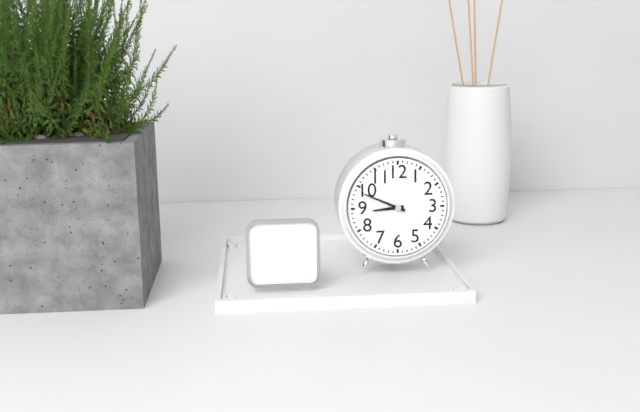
8,49
